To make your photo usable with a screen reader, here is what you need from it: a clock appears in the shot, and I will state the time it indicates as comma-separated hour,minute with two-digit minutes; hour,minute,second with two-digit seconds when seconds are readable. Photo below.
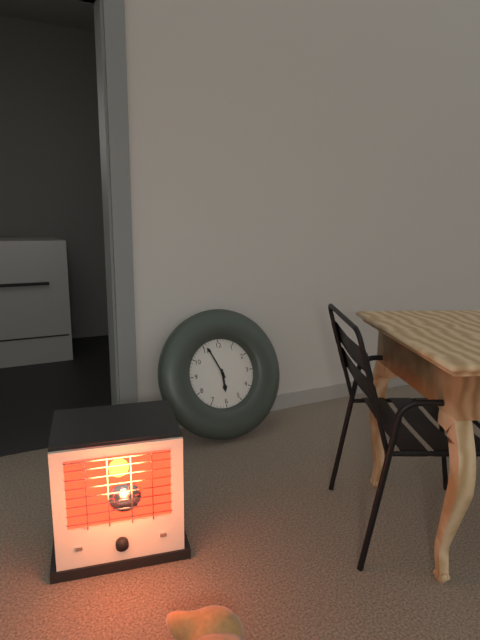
5,56
